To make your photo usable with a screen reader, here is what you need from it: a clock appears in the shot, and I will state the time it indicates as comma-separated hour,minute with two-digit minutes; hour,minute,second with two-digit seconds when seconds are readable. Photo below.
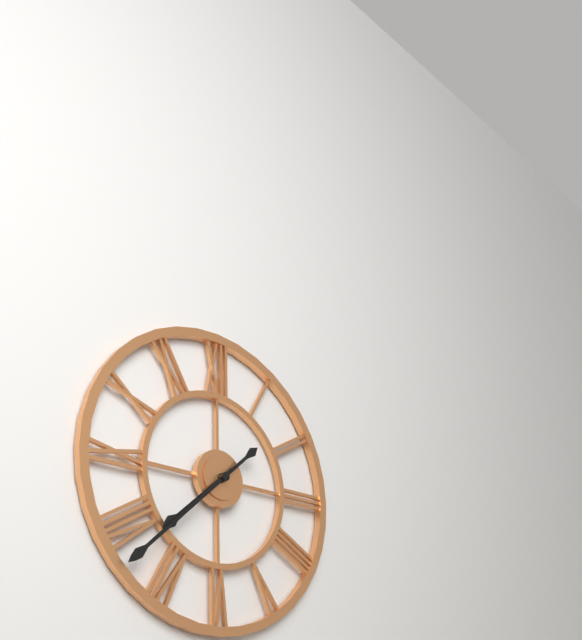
7,38
